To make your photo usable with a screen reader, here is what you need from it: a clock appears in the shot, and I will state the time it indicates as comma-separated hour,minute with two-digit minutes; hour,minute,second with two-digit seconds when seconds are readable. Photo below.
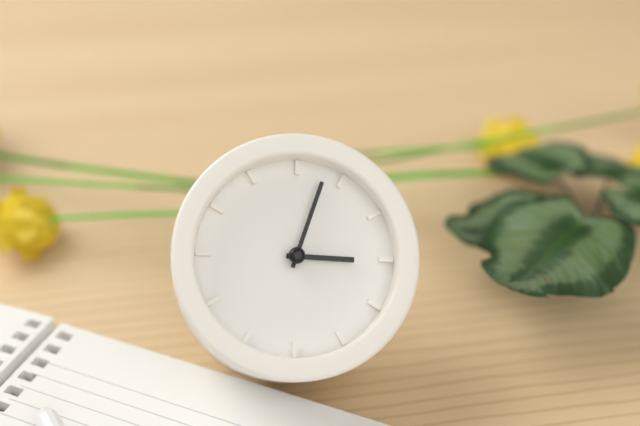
3,03
